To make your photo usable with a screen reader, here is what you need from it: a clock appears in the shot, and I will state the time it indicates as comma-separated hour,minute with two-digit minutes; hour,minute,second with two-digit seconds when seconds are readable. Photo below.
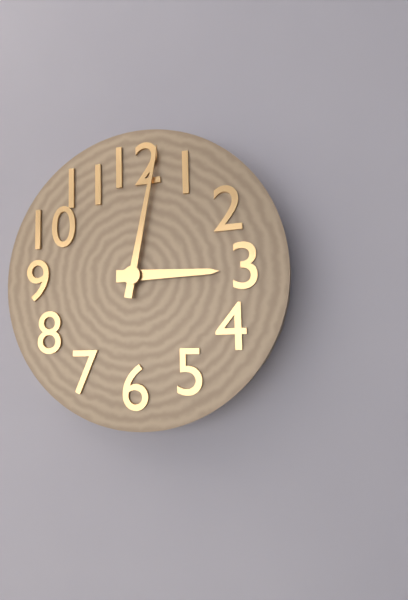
3,02
